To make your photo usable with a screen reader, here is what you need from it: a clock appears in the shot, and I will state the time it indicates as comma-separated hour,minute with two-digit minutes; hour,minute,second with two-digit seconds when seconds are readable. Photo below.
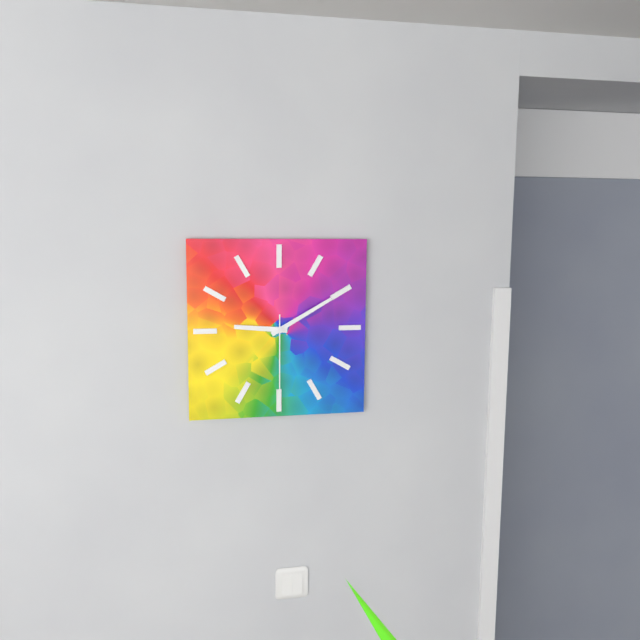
9,10,30
